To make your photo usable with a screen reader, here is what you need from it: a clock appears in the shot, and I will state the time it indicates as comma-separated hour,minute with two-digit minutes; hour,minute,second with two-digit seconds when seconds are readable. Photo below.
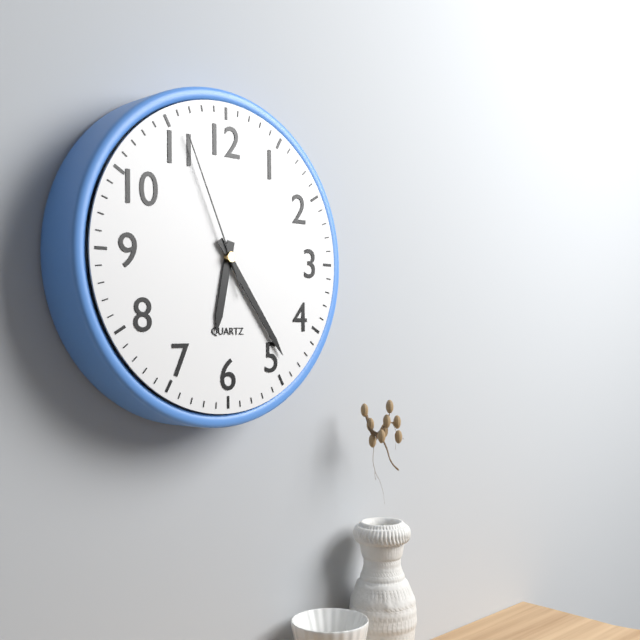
6,24,56
